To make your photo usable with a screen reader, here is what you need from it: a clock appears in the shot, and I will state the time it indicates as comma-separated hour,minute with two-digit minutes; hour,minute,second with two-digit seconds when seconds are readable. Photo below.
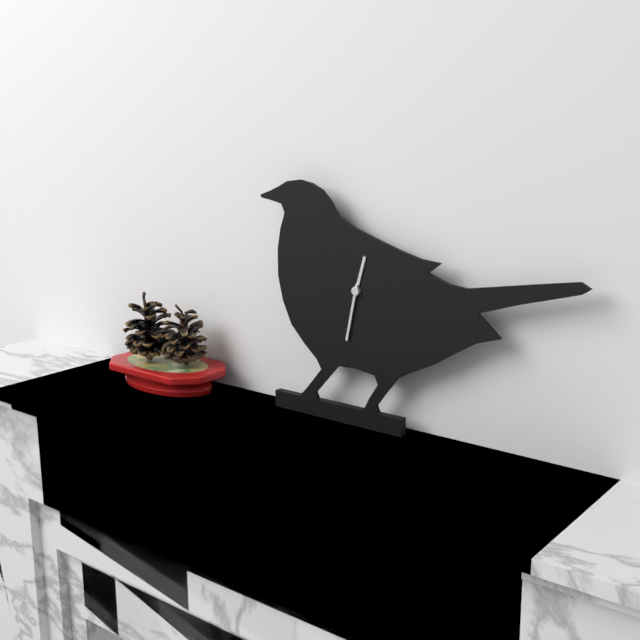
12,32
